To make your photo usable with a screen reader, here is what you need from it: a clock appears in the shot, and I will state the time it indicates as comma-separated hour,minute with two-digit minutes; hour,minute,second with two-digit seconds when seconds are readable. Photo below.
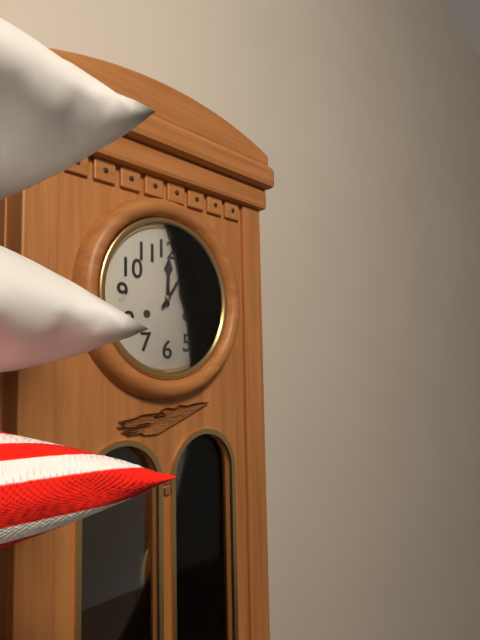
12,06
